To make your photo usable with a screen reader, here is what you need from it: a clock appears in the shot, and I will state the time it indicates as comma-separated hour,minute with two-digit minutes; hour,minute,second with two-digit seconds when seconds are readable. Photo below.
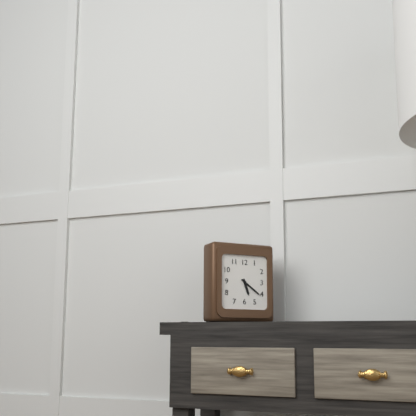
5,21
